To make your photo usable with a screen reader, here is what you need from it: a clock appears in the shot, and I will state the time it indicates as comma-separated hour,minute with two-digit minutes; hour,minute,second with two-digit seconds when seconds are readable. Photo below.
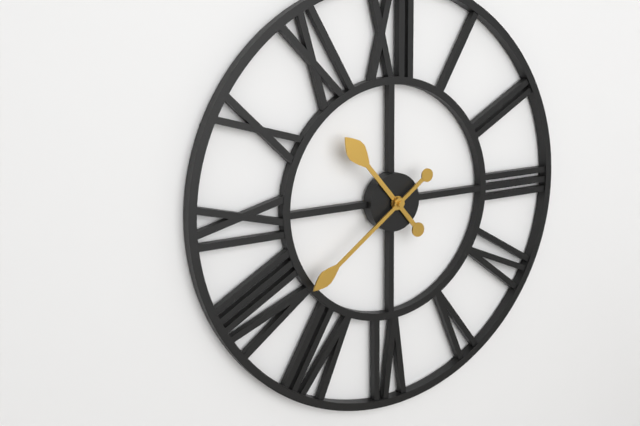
10,39
